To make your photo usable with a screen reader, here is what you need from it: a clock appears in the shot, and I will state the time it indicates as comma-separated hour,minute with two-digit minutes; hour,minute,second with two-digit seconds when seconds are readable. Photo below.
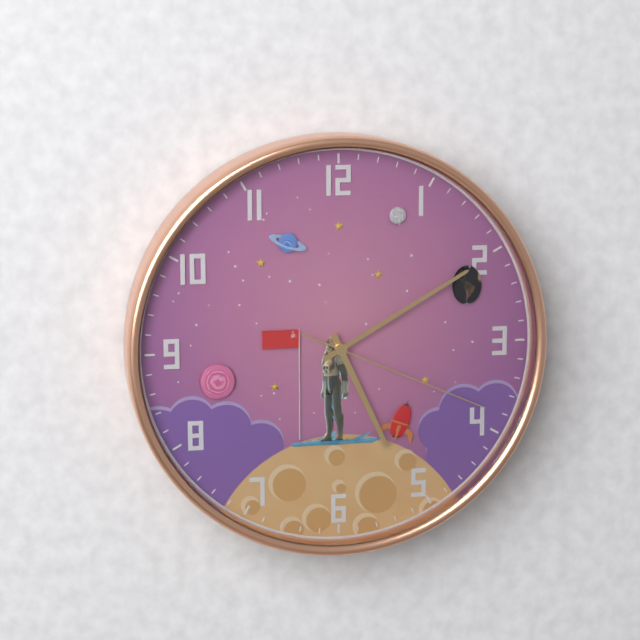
5,10,19
